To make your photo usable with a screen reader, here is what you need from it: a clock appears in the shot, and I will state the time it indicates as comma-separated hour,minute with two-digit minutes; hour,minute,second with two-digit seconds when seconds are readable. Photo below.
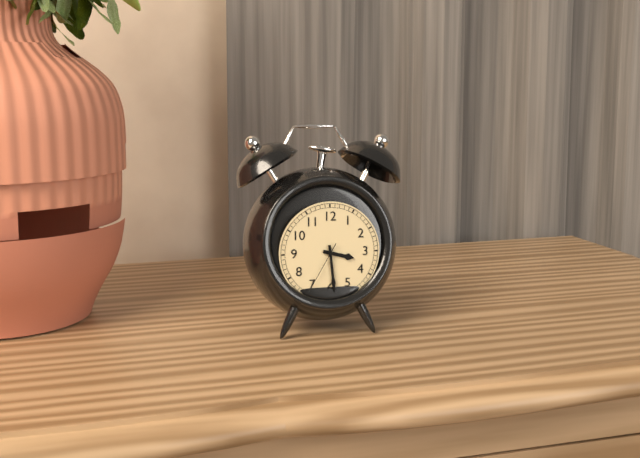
3,29,35
